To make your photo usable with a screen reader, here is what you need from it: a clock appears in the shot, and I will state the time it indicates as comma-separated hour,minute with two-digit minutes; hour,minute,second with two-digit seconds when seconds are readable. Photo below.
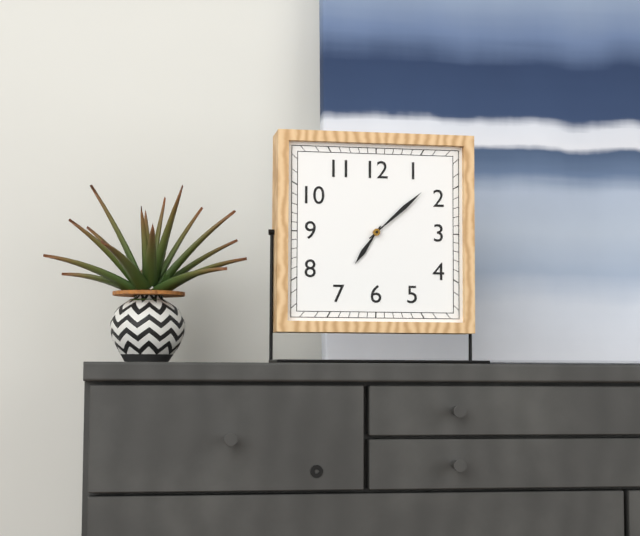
7,08
